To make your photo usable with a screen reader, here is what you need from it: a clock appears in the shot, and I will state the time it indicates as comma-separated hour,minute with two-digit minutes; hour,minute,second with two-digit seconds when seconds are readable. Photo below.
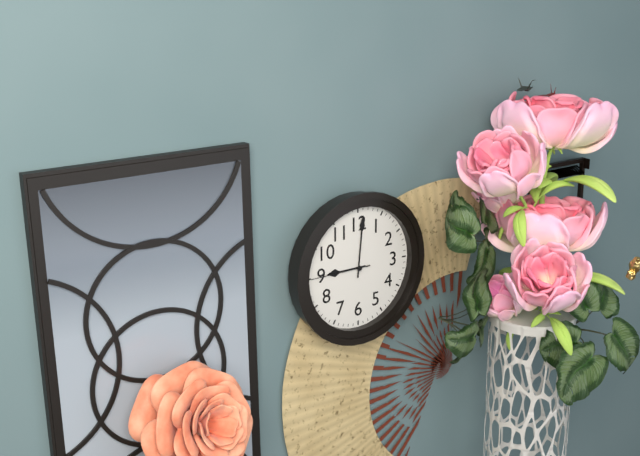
9,01,45
